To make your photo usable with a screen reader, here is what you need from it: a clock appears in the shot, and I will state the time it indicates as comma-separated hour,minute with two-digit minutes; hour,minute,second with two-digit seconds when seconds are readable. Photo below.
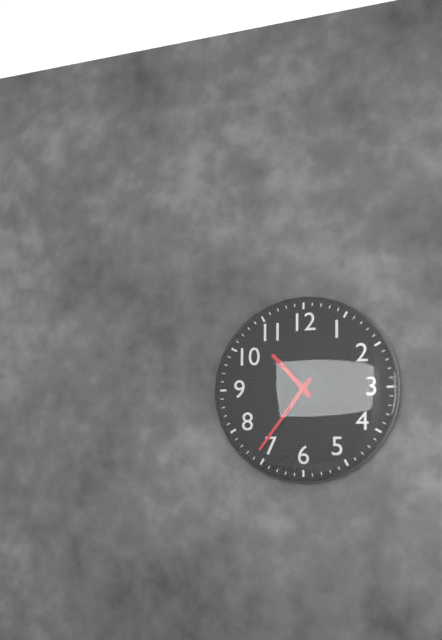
10,36
